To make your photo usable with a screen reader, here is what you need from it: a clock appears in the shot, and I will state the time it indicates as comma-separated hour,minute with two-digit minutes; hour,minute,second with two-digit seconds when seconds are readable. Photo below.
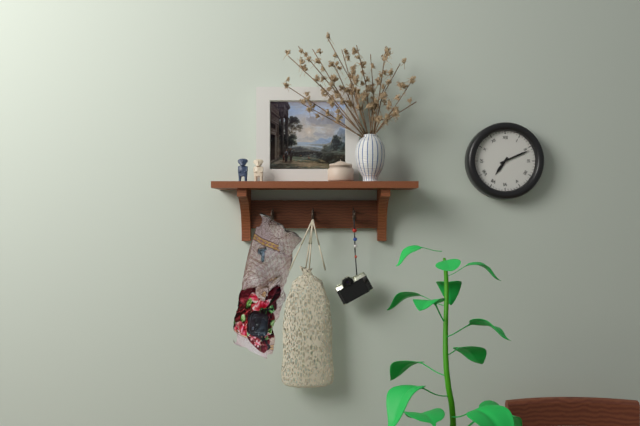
7,11
